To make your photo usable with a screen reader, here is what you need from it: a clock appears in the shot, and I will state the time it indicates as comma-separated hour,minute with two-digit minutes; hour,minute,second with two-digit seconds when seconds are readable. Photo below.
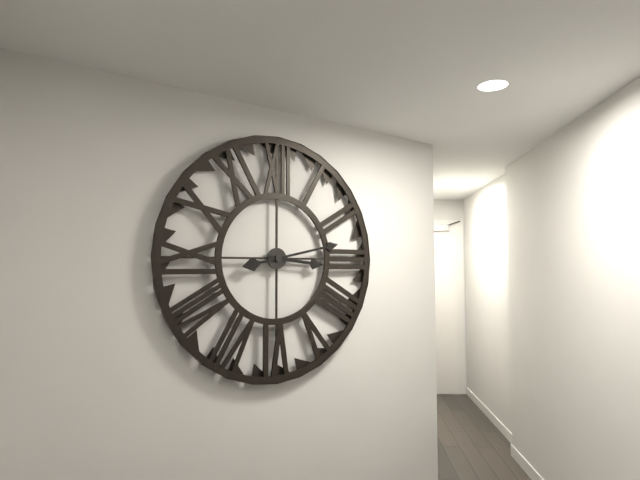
3,13
